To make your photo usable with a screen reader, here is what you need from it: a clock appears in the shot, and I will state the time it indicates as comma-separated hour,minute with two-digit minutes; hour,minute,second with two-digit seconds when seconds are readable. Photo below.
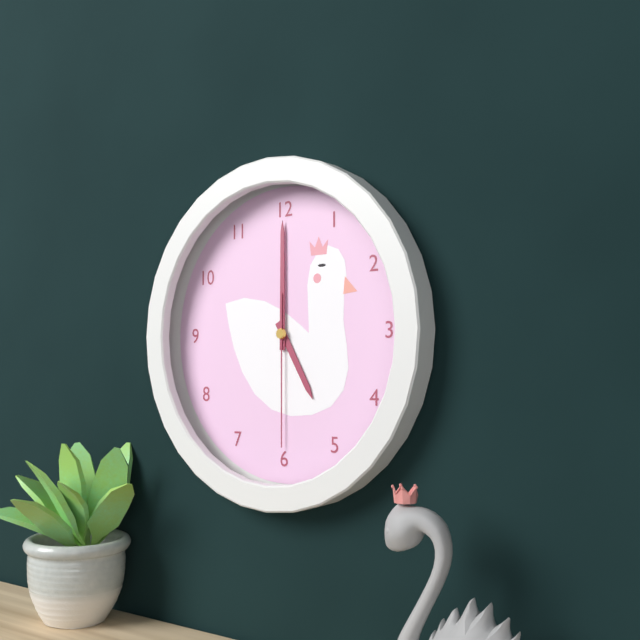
5,00,30
